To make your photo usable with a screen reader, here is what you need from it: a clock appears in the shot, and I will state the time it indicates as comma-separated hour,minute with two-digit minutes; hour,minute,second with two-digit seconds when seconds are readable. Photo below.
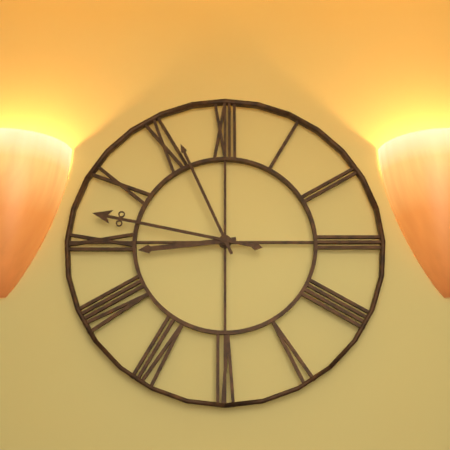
8,47,56
